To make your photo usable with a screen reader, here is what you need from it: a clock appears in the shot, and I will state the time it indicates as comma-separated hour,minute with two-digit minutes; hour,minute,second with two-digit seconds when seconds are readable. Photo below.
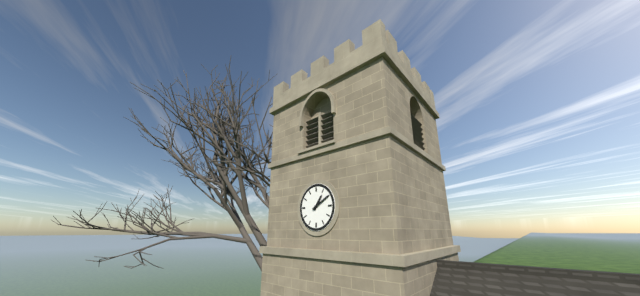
1,10
